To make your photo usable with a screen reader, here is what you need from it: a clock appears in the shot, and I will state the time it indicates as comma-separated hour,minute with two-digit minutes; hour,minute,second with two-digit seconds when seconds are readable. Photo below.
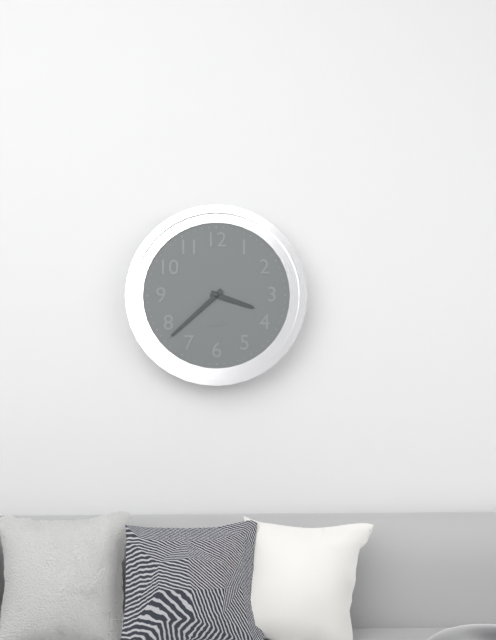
3,38
